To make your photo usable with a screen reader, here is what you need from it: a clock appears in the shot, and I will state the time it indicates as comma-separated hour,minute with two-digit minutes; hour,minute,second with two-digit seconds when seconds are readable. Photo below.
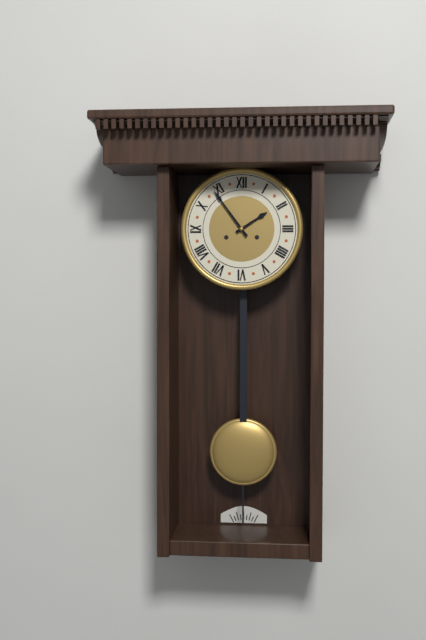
1,54
